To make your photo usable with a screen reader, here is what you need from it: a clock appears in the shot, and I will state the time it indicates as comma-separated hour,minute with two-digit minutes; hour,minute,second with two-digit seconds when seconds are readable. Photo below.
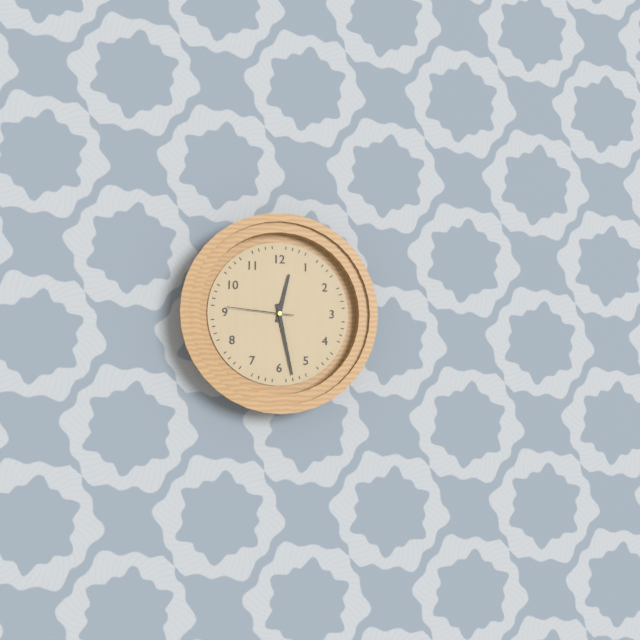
12,28,46
